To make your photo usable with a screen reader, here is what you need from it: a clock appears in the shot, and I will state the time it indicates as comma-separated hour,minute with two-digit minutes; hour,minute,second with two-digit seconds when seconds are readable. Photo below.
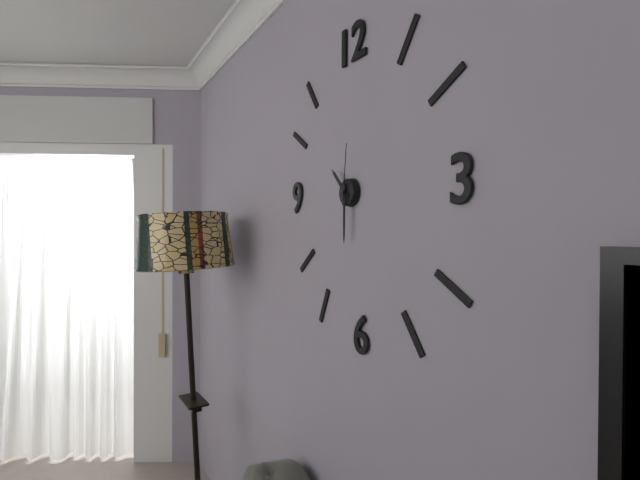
10,30,01
